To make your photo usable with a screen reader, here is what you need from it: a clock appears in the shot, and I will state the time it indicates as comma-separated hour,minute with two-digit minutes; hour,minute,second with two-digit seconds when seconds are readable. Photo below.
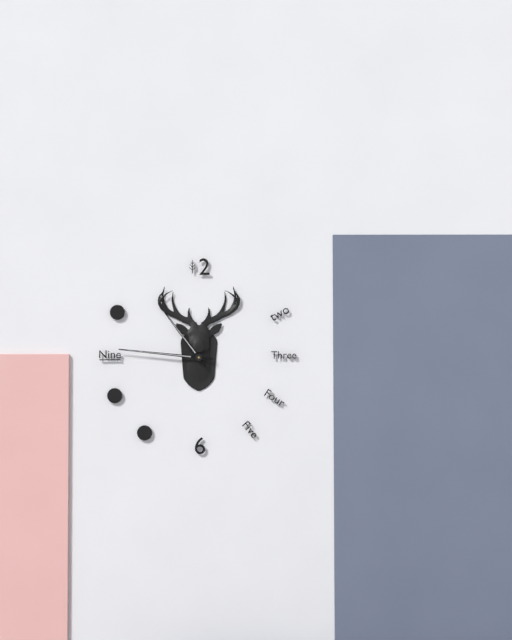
10,46
